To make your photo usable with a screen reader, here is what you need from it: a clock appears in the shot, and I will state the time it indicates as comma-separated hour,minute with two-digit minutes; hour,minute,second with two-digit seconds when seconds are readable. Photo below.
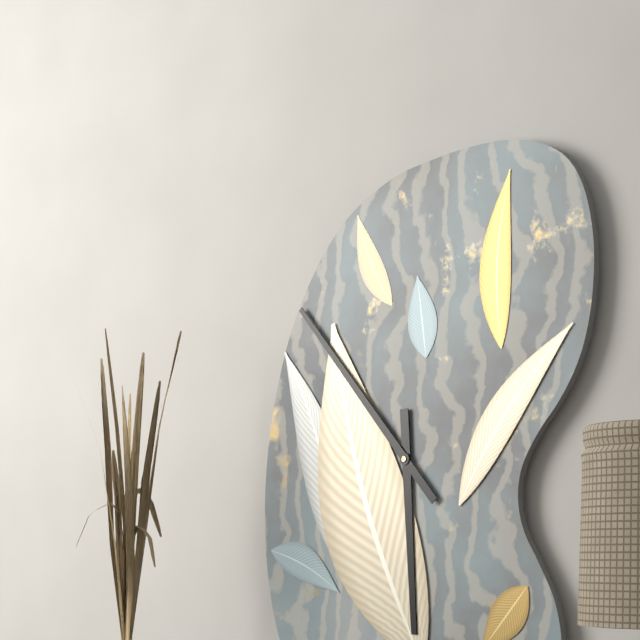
5,53
